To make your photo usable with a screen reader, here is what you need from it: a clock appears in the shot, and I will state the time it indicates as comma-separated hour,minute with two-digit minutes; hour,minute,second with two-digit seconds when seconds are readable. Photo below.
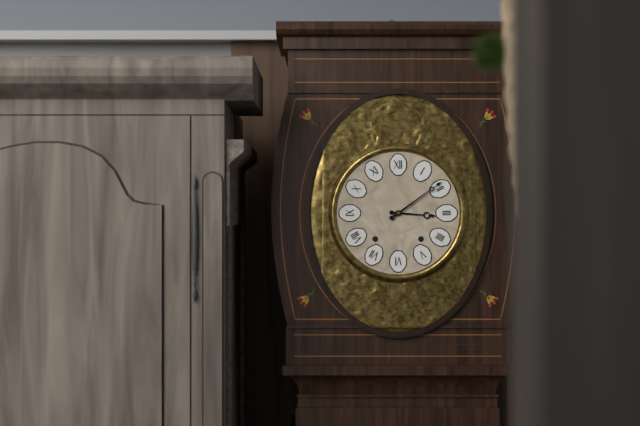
3,09
